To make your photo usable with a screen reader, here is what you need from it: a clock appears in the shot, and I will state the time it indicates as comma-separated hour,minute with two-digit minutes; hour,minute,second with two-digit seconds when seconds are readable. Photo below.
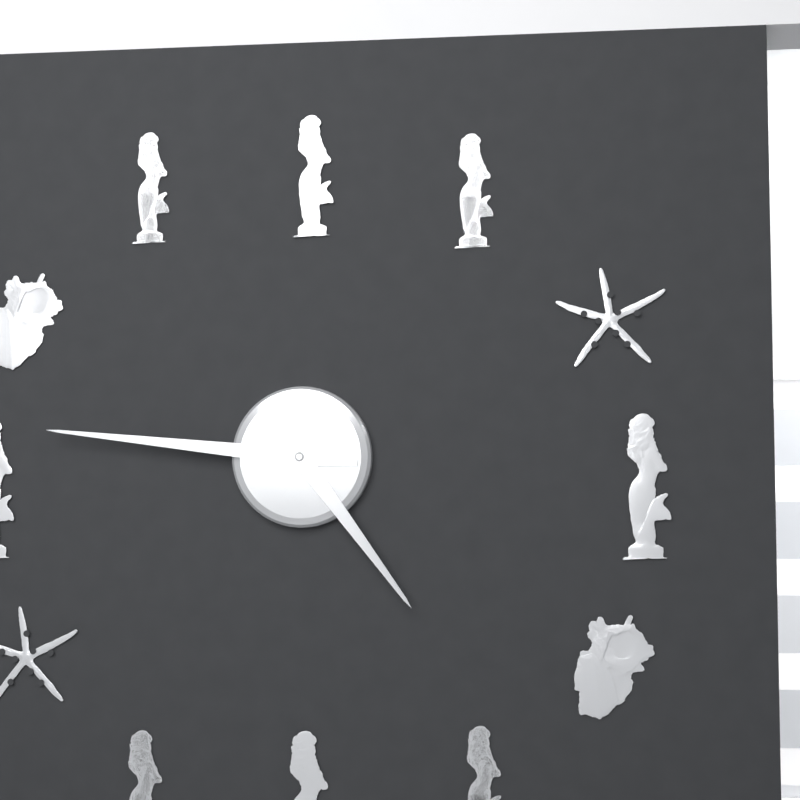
4,46
